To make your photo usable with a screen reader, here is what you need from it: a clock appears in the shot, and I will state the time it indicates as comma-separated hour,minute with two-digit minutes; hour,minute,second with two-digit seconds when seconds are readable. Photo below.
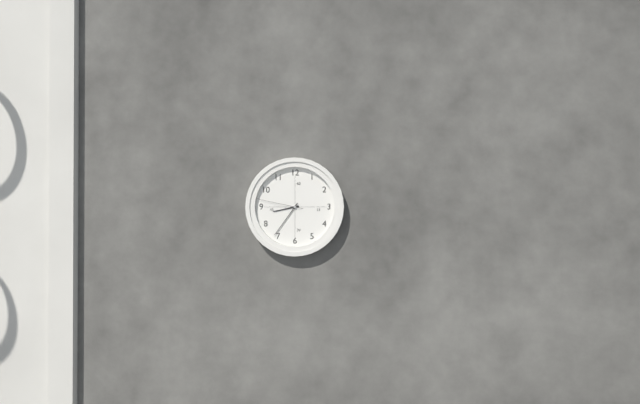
8,36
